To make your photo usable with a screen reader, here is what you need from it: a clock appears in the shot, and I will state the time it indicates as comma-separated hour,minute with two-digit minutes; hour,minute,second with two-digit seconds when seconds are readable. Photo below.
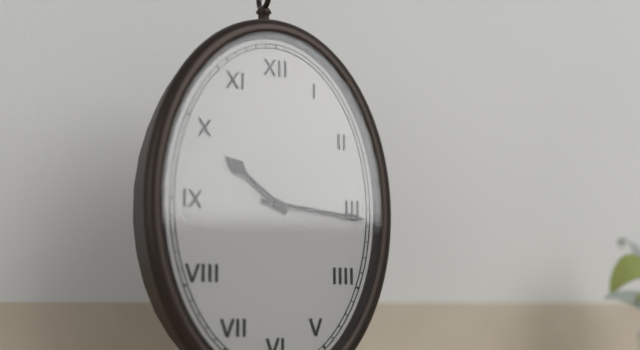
10,16
